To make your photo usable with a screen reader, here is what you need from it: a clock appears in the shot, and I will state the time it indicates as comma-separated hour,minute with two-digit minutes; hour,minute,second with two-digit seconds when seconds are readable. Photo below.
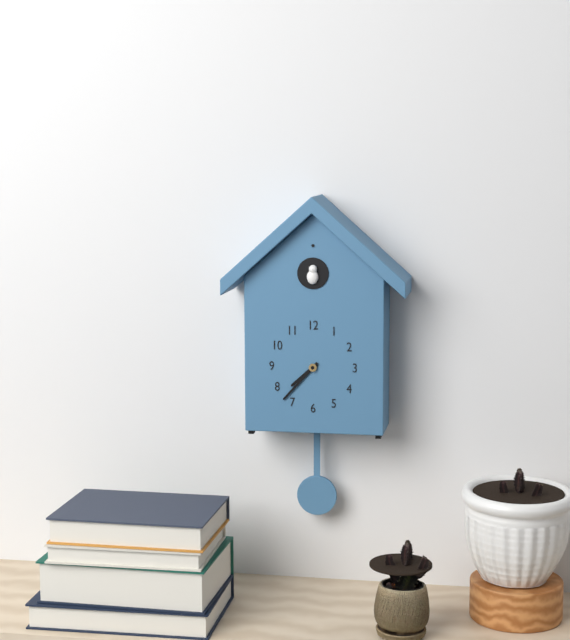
7,37
